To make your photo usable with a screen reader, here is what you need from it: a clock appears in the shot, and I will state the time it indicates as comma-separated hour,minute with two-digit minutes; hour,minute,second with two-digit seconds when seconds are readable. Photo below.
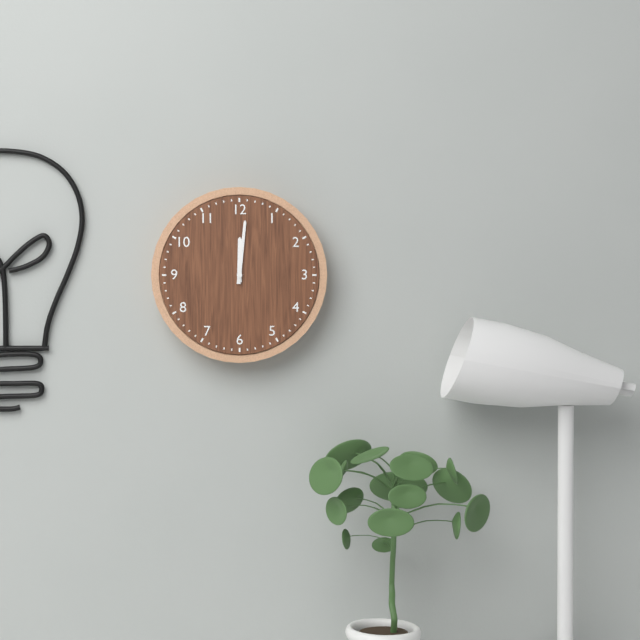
12,01
